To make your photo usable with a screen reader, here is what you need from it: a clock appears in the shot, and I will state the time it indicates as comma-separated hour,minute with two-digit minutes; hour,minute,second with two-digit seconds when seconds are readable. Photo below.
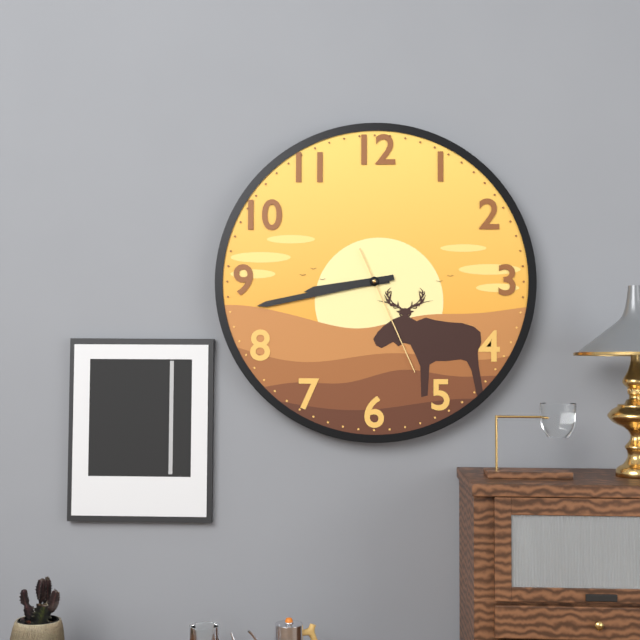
8,43,26
